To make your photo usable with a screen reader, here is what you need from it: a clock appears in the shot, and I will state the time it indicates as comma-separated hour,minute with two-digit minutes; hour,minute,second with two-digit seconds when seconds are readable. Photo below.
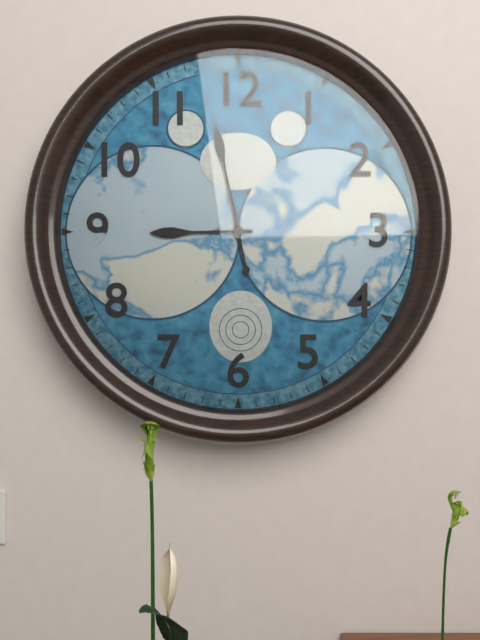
8,58
